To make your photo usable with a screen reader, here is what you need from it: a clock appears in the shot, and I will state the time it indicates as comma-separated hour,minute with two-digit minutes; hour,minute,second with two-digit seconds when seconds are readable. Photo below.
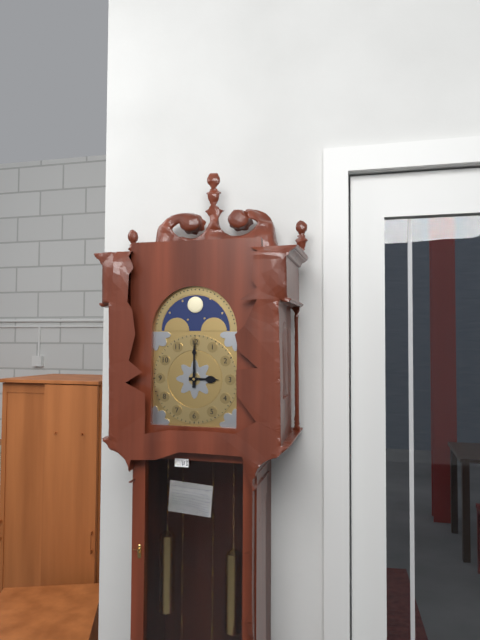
3,00
